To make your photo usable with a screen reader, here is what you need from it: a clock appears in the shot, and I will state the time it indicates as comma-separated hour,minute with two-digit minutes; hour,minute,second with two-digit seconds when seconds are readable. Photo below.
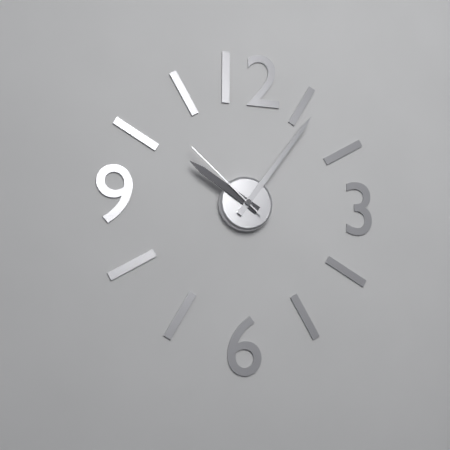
10,06,52
